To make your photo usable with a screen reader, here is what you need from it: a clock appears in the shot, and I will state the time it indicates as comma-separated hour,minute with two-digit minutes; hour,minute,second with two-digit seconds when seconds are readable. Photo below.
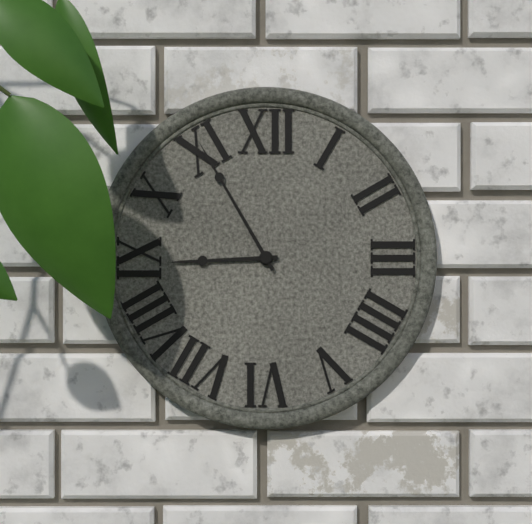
8,55
